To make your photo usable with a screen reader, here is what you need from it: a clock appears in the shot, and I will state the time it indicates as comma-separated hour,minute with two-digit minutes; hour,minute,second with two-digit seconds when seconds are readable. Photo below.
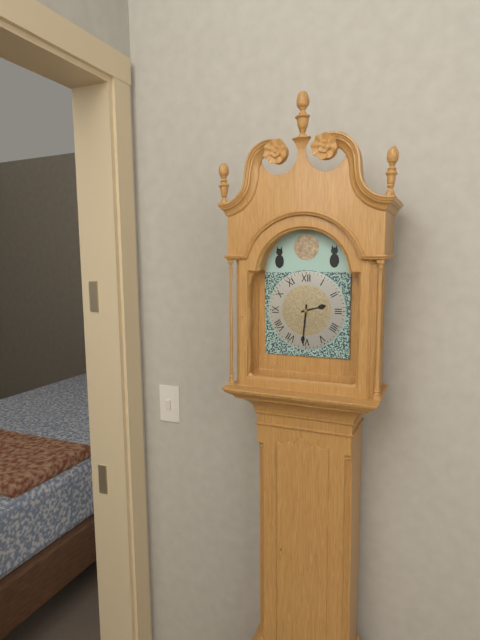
2,31
